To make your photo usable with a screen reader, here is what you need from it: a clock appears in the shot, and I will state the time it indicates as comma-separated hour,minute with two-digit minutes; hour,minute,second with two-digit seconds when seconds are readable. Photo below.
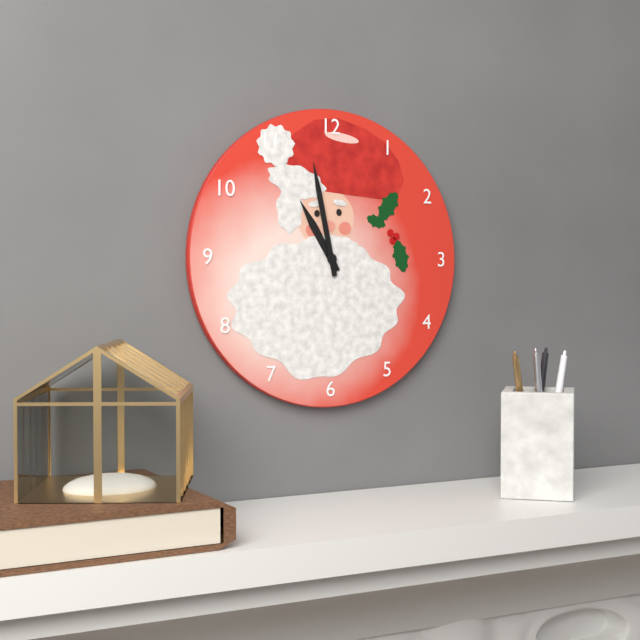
10,58
